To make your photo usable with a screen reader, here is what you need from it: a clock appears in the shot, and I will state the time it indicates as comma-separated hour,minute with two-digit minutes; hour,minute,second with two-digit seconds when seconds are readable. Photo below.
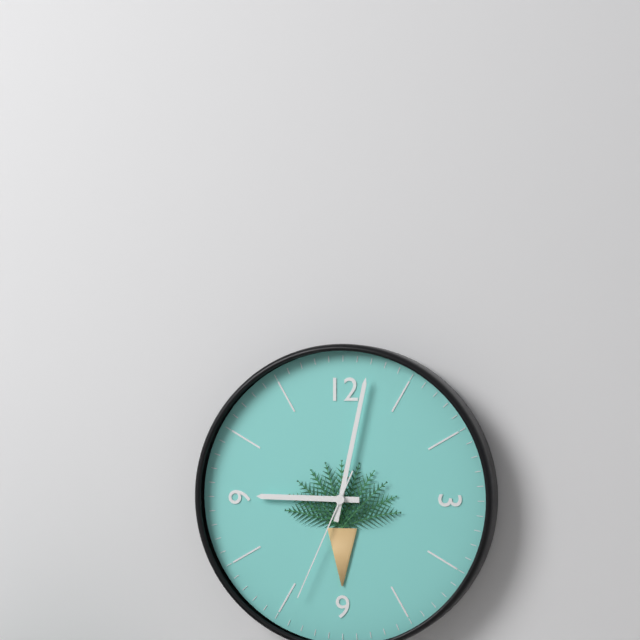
9,02,34
